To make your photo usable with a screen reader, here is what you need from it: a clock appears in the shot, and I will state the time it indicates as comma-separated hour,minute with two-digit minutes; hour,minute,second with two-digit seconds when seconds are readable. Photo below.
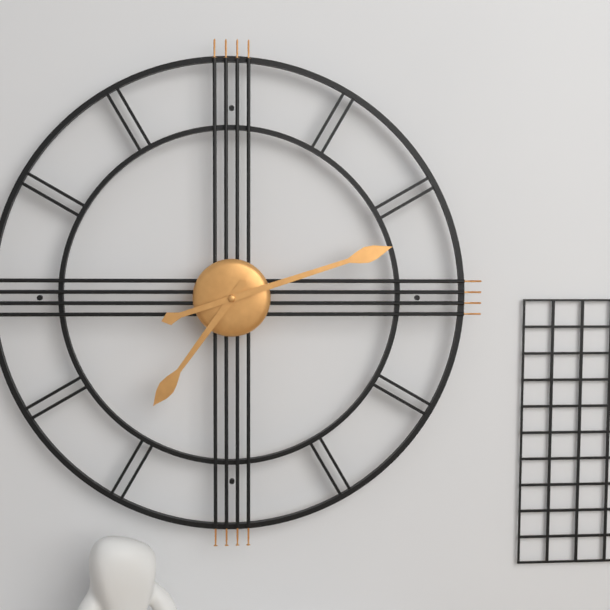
7,12
